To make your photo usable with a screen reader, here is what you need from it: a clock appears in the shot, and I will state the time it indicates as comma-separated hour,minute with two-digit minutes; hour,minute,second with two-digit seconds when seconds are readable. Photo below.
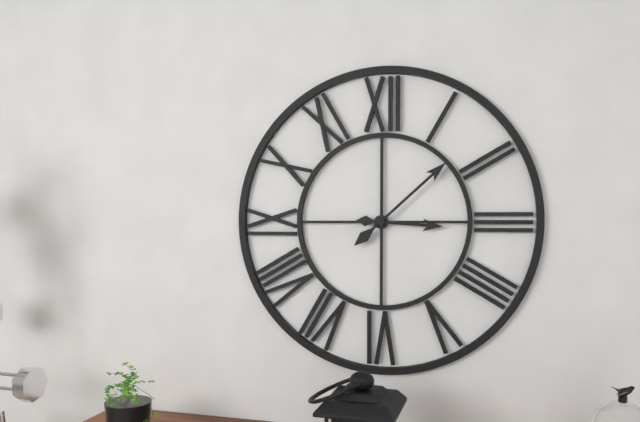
3,08
